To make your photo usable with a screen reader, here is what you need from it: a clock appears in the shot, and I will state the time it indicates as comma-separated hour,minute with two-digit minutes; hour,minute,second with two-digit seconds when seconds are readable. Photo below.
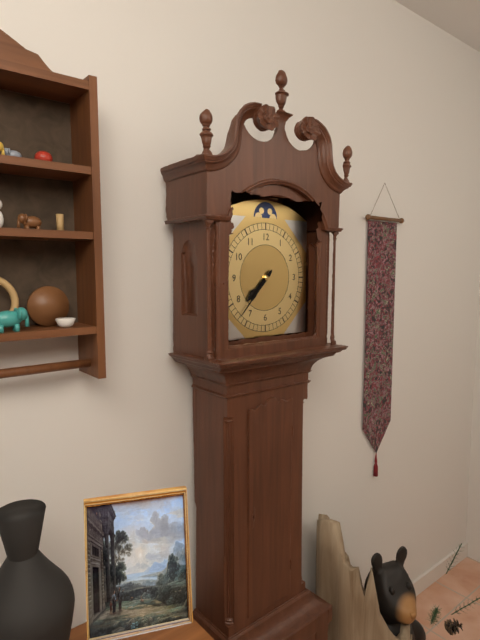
7,37
